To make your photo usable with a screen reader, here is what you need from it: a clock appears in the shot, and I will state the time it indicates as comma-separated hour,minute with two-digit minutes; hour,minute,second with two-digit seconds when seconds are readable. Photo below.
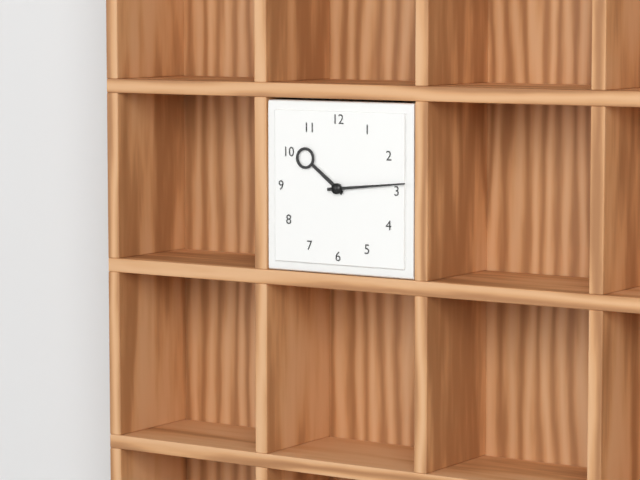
10,14
